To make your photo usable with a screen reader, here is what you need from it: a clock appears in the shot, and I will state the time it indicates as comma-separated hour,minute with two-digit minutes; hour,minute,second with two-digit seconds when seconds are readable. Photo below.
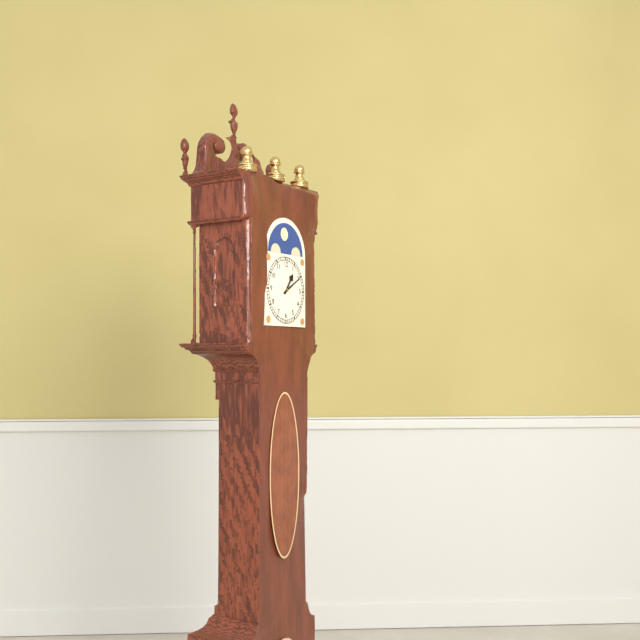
1,10
